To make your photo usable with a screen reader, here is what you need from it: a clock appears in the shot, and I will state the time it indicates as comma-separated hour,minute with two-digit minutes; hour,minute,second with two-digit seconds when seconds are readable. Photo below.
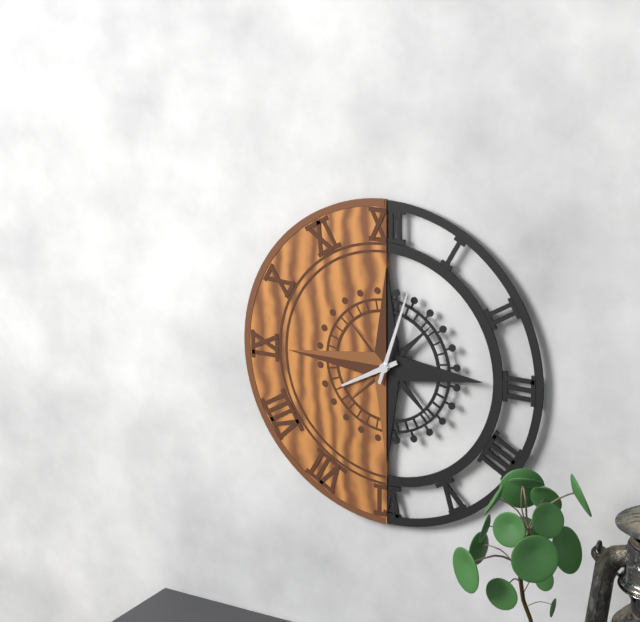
8,03
